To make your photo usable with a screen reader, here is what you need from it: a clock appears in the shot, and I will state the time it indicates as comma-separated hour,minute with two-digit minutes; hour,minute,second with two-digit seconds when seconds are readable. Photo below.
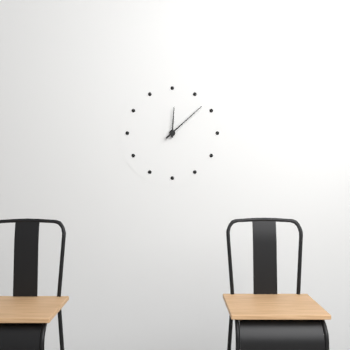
12,08
